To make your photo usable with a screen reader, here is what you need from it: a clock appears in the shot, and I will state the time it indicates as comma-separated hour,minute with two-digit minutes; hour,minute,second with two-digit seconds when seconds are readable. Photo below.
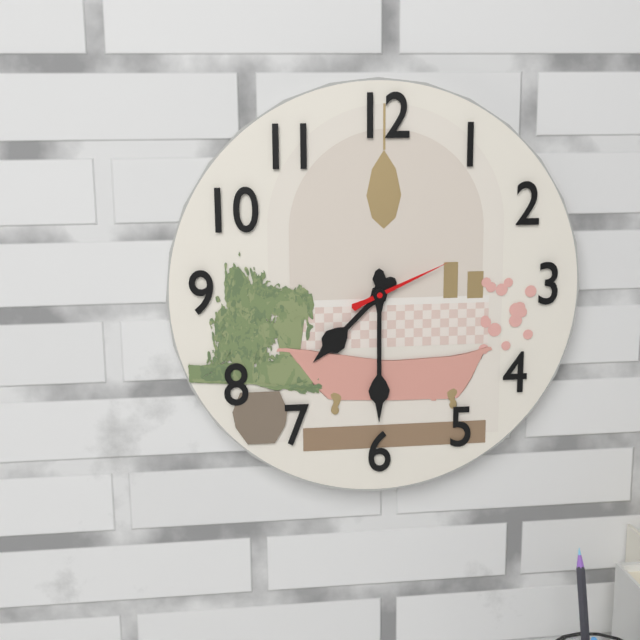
7,30,11
